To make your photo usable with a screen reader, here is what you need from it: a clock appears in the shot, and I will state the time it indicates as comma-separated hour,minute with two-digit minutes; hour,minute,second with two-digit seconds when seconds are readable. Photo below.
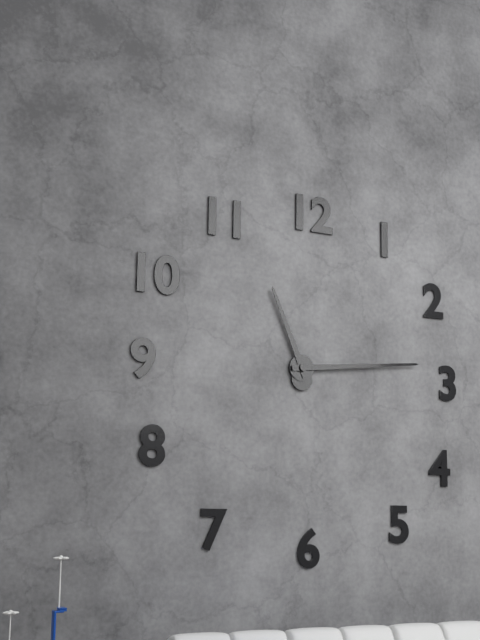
11,14
